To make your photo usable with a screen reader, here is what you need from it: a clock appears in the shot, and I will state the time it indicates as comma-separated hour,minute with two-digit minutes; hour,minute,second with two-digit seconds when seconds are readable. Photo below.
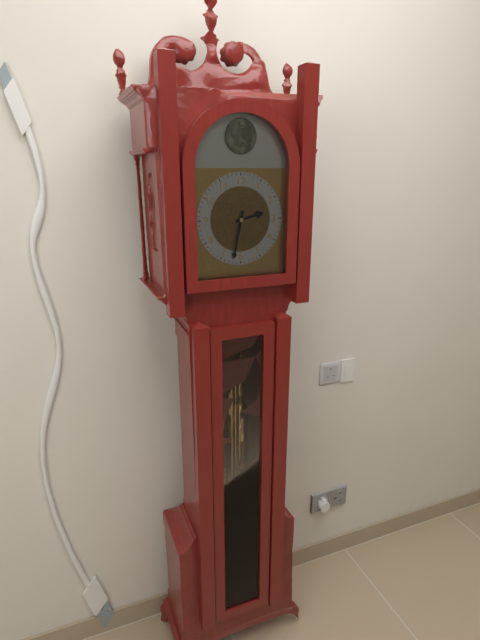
2,32
